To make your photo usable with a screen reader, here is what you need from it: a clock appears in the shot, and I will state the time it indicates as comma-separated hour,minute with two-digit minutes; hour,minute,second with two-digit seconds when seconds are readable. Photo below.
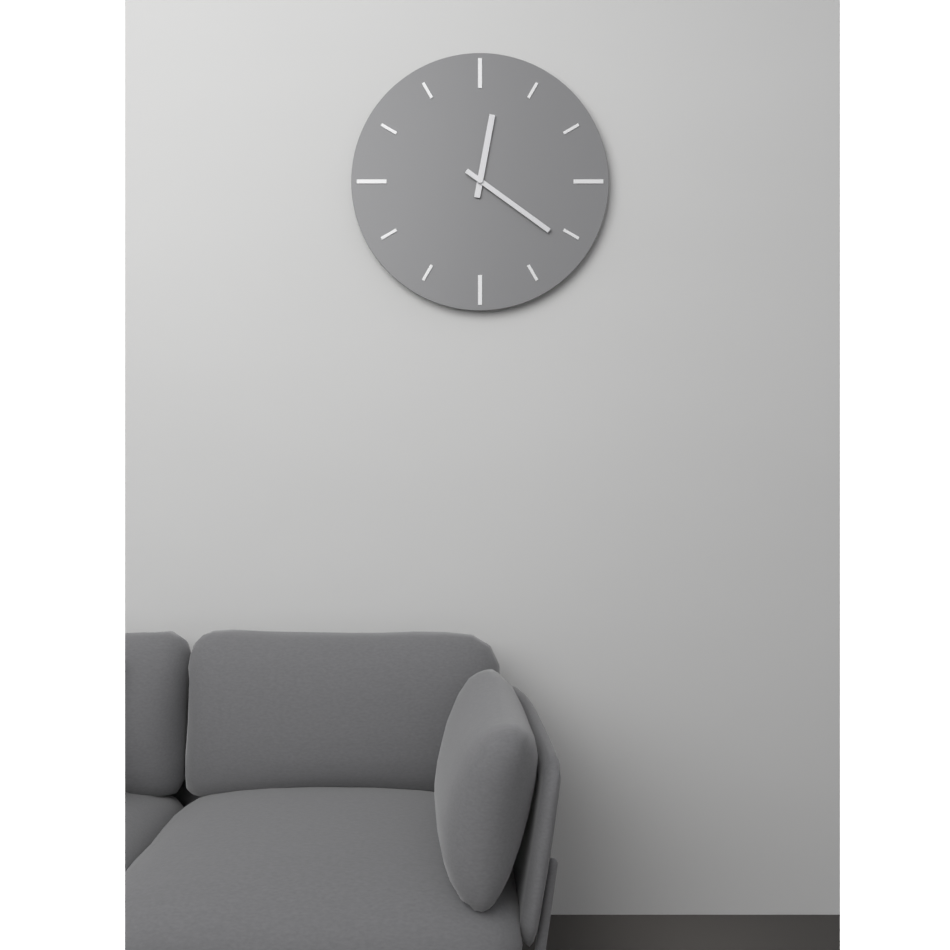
12,21
